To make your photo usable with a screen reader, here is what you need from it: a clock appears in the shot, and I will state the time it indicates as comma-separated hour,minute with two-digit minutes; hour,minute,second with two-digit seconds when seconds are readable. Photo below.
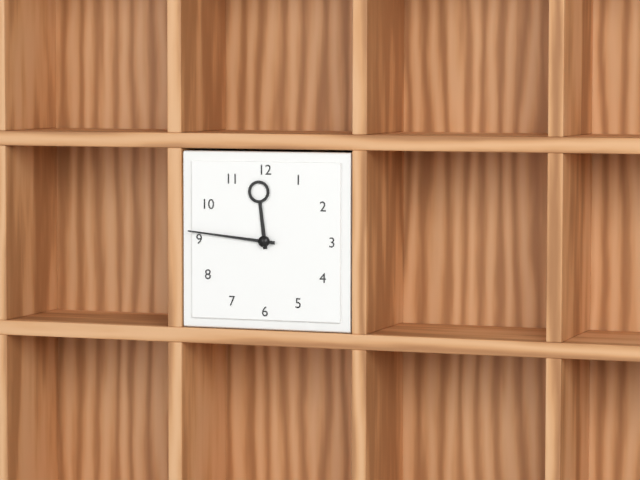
11,46
